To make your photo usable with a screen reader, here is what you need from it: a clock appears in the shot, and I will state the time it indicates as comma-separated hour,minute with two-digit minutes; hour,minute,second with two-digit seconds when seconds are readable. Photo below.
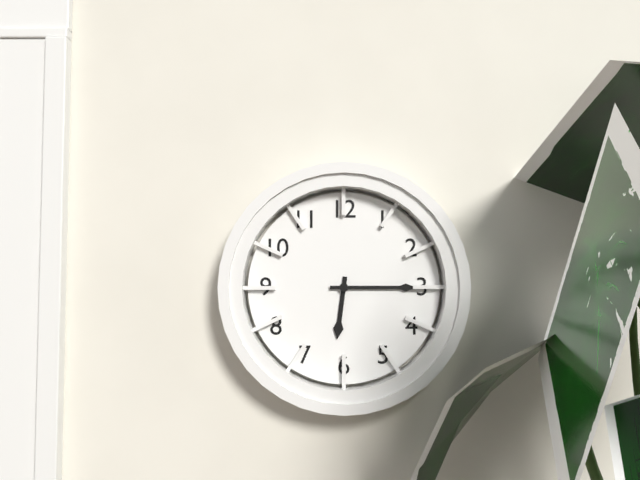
6,15
